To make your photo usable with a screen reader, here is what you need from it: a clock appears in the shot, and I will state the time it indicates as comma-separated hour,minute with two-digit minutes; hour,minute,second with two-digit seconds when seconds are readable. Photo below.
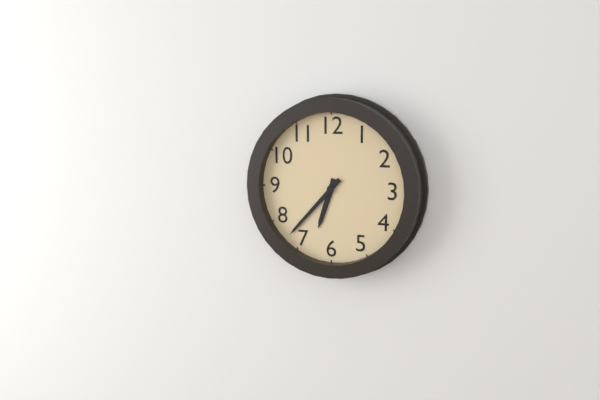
6,37
